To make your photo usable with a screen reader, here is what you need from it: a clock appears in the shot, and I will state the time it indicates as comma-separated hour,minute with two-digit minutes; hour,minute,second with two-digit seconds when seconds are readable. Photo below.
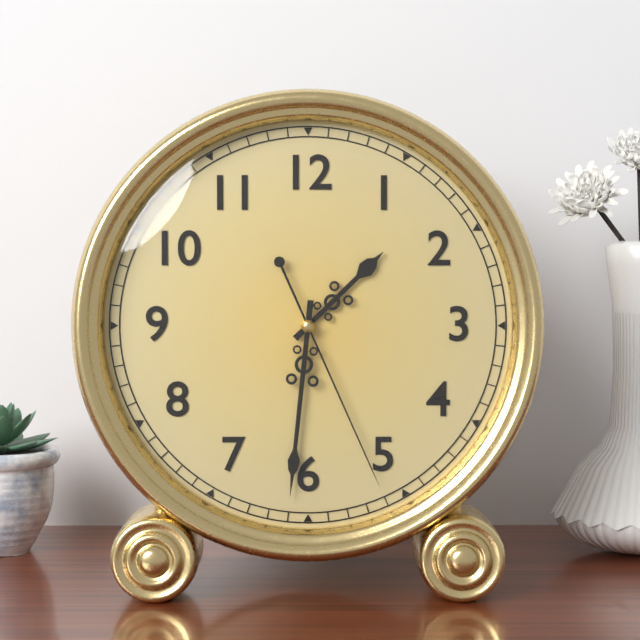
1,31,26
